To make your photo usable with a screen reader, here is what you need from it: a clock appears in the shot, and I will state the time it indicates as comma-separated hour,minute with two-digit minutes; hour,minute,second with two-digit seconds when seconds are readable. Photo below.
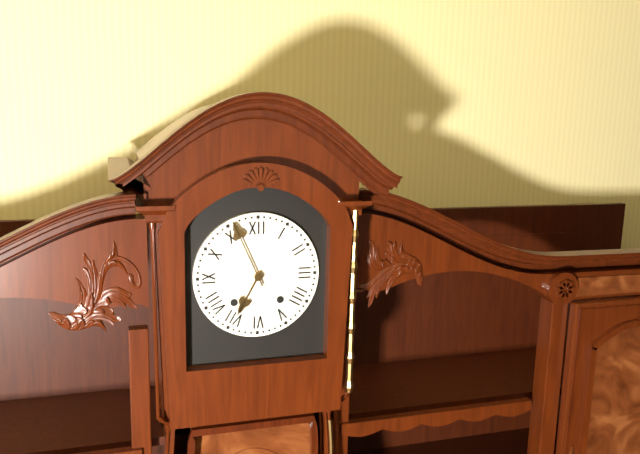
6,56
